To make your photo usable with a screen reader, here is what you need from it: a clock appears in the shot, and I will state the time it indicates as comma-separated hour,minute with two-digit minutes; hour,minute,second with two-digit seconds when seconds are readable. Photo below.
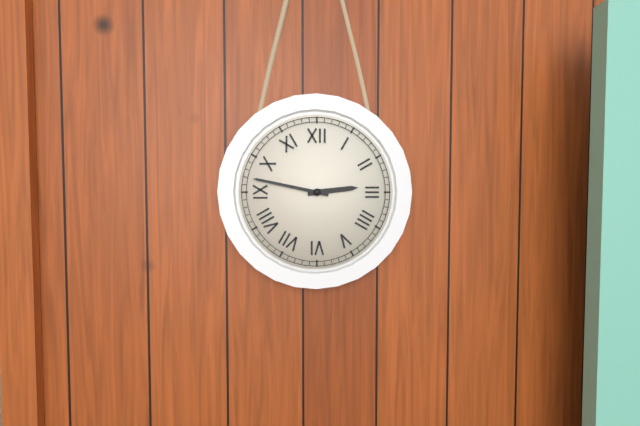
2,47
